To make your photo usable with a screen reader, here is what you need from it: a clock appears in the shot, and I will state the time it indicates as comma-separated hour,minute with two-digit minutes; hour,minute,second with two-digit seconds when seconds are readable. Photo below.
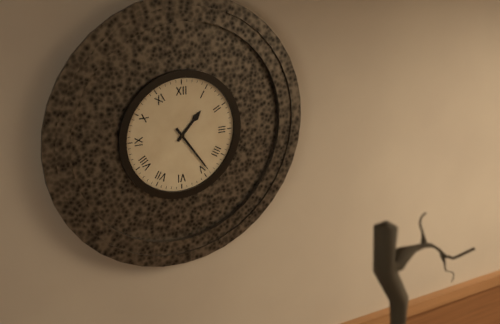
1,24
